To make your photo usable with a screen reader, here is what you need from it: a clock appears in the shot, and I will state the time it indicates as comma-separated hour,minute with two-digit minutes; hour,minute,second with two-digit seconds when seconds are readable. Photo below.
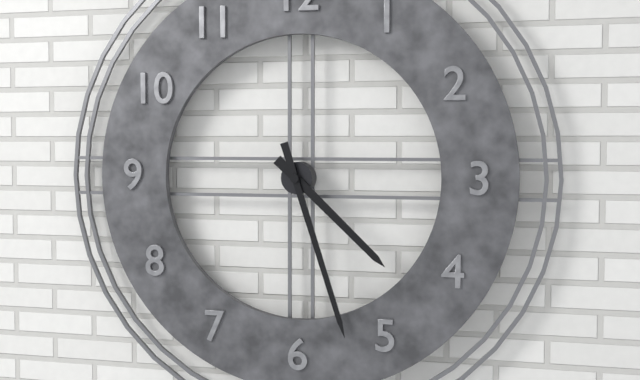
4,27
